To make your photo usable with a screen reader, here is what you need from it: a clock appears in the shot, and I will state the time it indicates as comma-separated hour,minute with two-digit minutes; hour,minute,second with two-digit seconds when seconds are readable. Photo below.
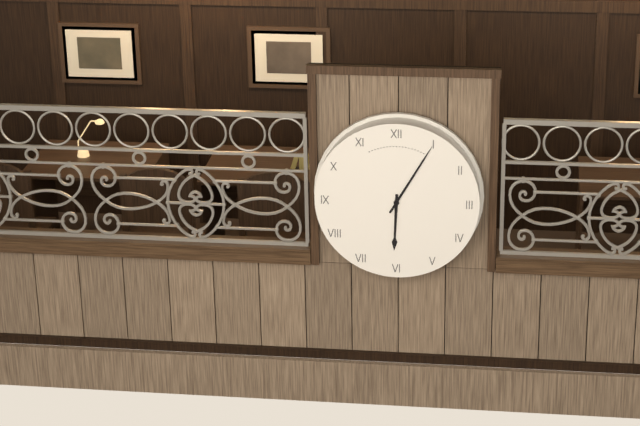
6,05
